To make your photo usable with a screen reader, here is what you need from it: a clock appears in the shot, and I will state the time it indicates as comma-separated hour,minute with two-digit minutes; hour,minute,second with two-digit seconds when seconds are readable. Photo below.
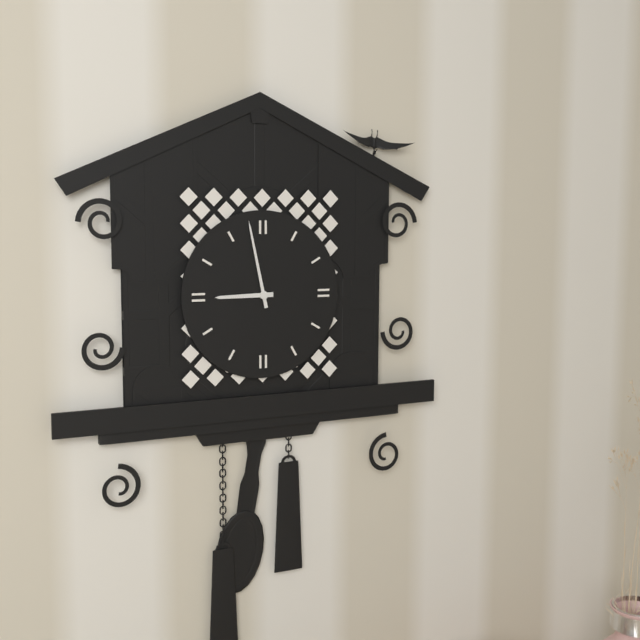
8,58
